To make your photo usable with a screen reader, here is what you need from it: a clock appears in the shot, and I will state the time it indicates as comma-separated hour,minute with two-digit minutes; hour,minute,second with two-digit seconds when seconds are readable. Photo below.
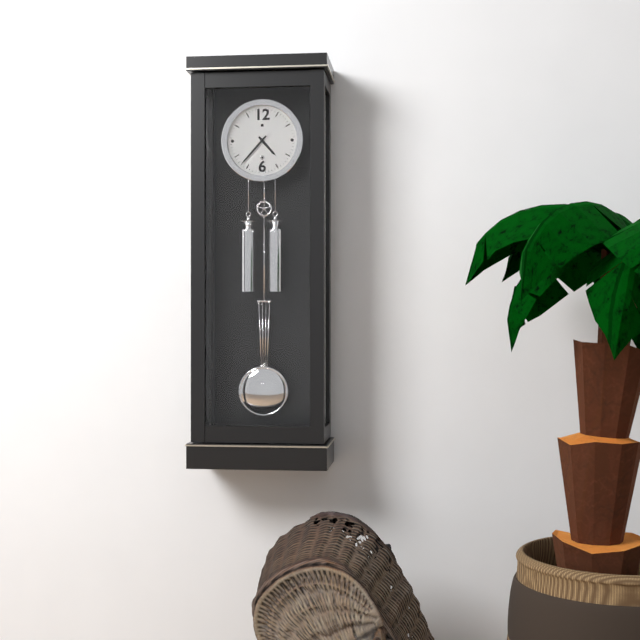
4,37
